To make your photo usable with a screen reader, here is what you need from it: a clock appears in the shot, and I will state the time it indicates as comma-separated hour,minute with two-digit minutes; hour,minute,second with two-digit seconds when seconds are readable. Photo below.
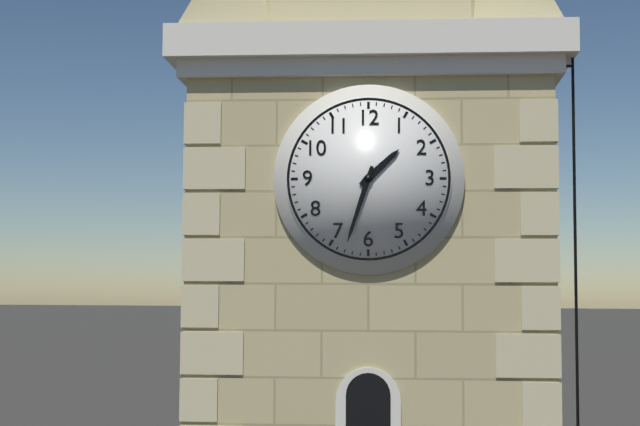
1,33
